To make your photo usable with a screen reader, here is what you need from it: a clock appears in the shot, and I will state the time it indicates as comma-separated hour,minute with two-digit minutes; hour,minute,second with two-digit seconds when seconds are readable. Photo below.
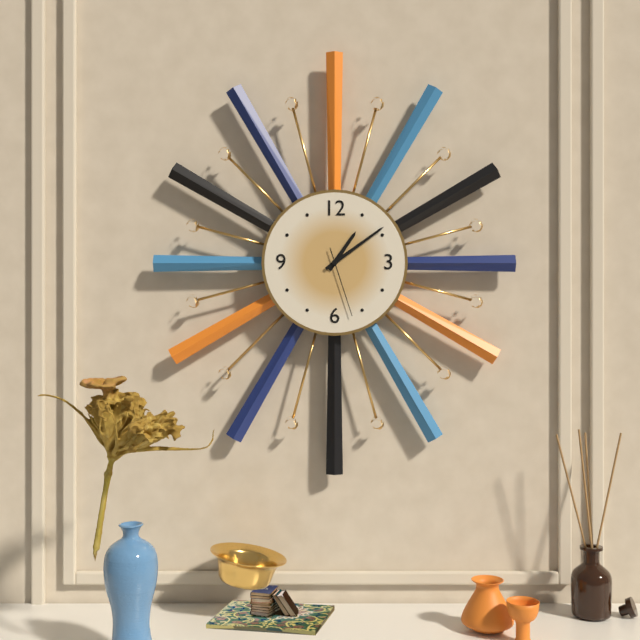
1,09,27
